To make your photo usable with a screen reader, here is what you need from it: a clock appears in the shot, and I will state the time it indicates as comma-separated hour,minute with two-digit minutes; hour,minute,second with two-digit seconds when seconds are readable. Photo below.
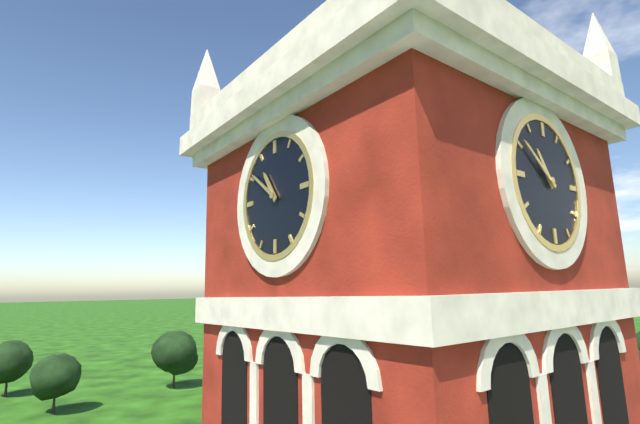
10,51
